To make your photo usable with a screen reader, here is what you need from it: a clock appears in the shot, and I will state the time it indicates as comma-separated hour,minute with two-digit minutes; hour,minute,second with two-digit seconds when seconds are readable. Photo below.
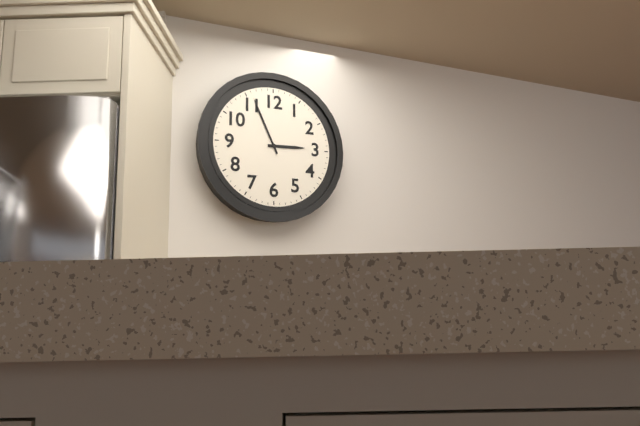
2,56
